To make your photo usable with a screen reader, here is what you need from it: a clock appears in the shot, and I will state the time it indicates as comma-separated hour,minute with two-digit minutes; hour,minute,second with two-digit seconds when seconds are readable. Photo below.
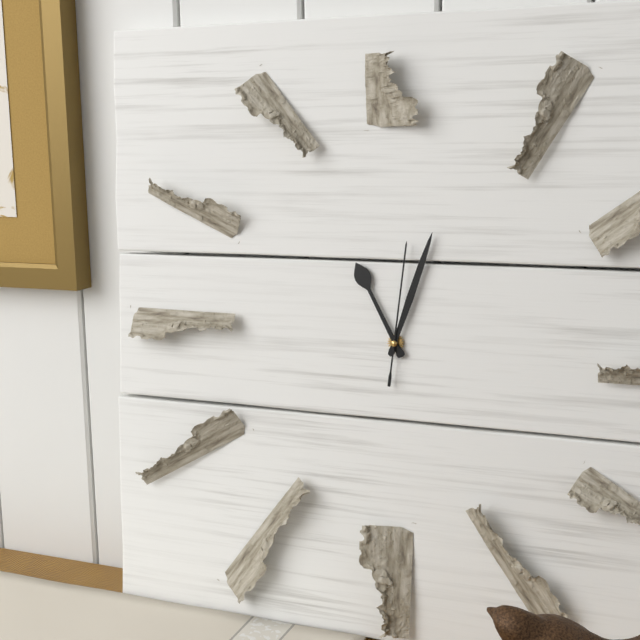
11,03,01
